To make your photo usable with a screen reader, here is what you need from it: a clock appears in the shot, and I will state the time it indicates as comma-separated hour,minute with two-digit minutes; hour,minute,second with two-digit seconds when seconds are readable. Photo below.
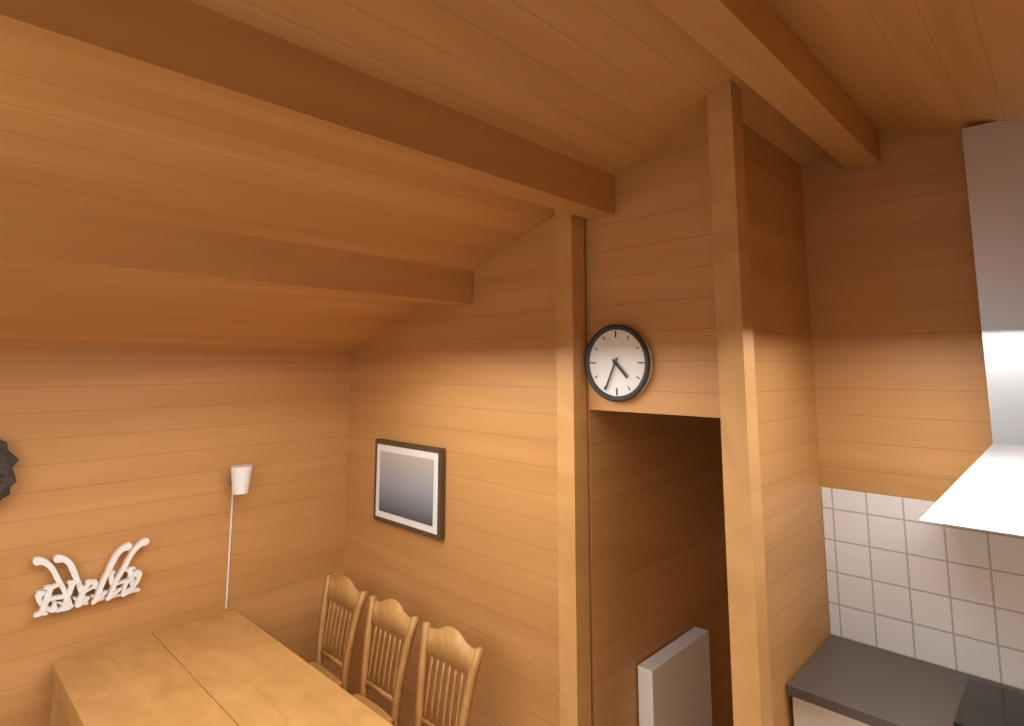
4,34
